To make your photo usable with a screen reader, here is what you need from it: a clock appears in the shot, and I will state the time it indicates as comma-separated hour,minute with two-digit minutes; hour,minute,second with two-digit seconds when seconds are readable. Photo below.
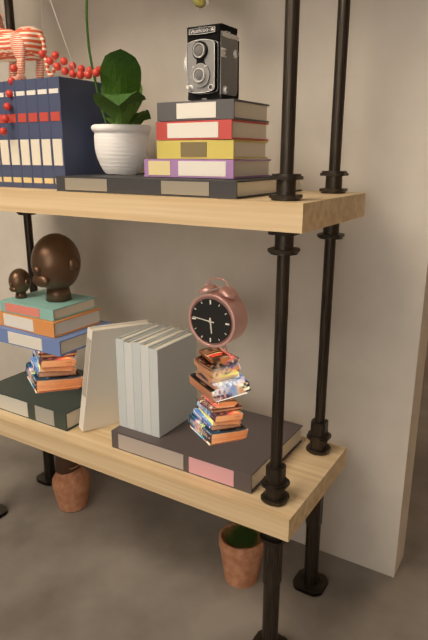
5,46
